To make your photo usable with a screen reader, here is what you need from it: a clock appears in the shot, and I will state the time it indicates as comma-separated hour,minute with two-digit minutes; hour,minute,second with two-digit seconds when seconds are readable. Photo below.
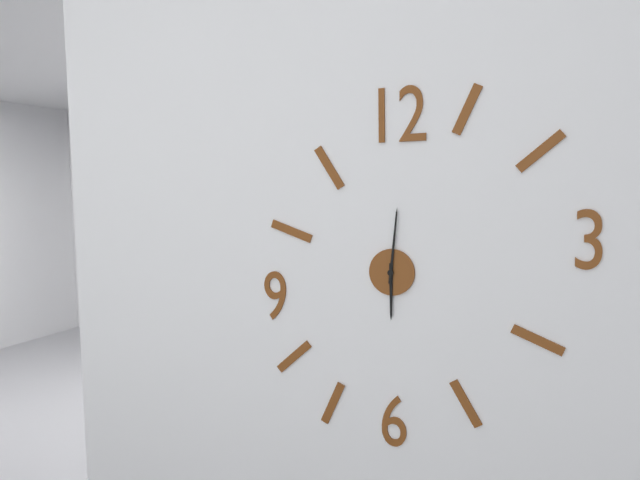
6,01
